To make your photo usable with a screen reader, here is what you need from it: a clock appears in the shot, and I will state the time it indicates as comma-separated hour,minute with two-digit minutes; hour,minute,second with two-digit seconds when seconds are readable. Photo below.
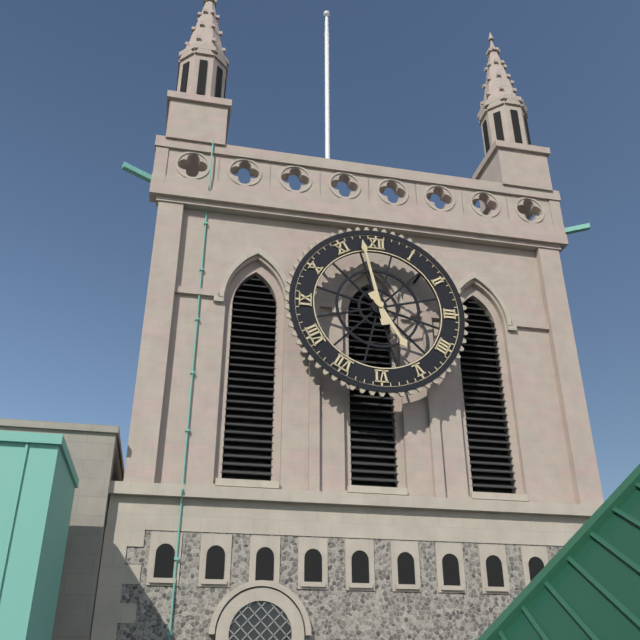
4,58
